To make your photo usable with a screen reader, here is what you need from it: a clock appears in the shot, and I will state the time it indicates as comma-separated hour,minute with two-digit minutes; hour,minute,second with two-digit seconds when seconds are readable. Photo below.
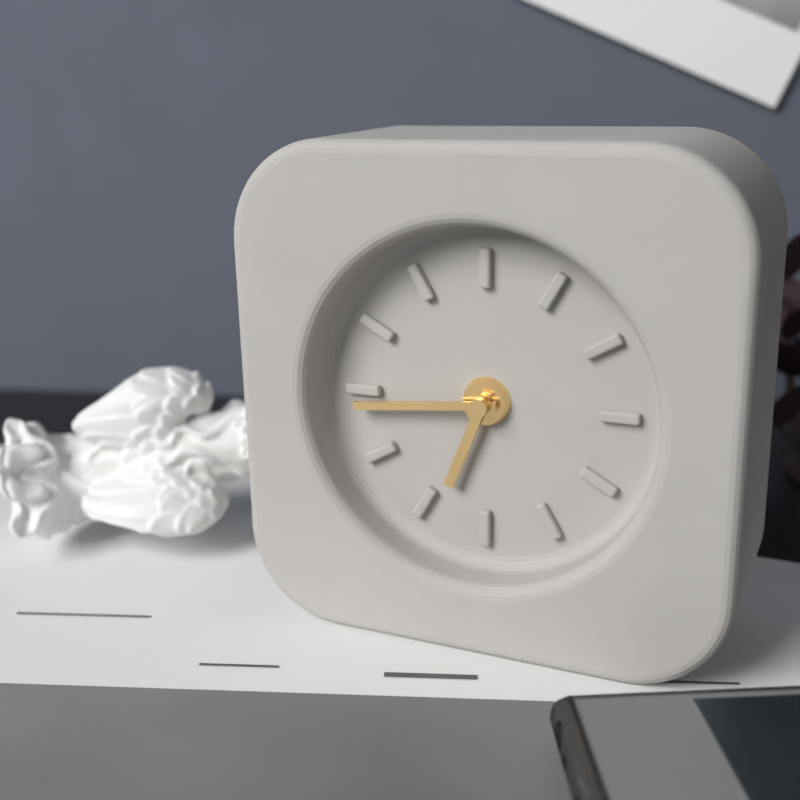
6,44
